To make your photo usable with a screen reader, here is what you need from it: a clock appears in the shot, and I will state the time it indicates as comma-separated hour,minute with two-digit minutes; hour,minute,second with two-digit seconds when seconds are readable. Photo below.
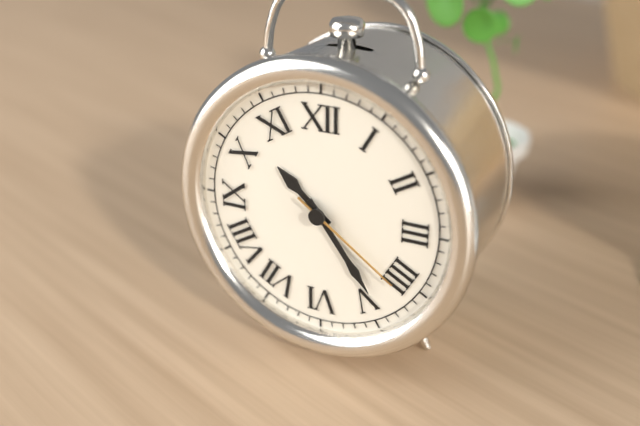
10,24,21
